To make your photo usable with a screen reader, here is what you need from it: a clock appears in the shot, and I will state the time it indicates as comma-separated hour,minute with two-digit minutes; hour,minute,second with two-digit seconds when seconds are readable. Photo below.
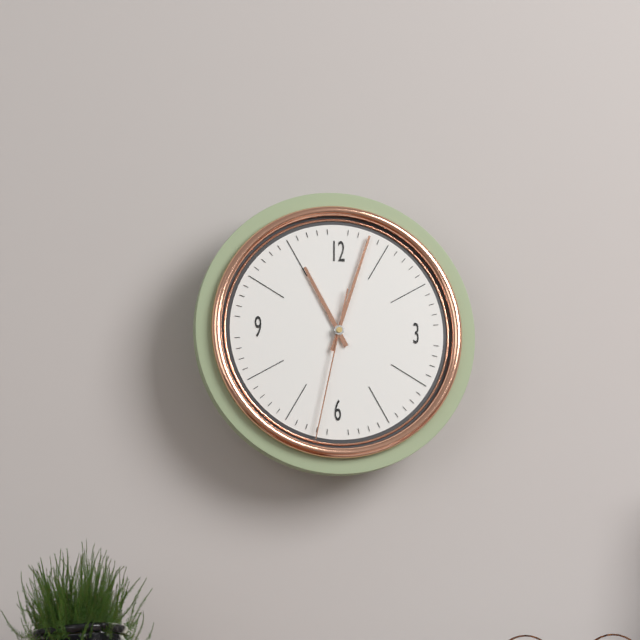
11,03,32
